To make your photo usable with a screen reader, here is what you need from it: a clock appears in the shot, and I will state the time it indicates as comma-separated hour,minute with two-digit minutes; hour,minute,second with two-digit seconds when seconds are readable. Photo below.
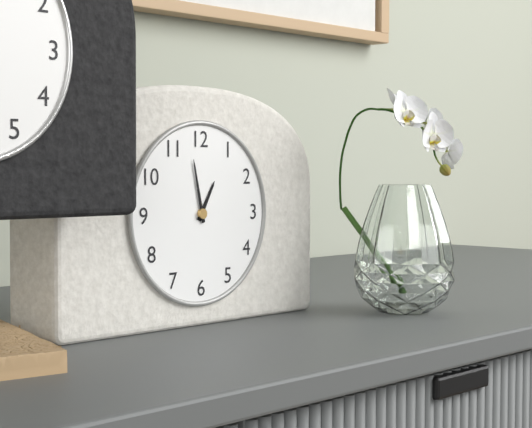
12,58
